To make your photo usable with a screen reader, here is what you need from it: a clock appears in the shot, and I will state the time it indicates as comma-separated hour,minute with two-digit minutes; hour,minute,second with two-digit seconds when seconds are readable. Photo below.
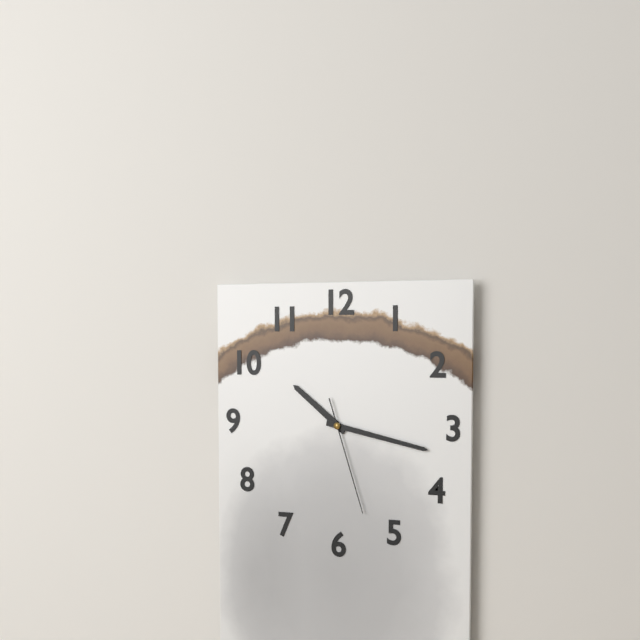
10,17,27
